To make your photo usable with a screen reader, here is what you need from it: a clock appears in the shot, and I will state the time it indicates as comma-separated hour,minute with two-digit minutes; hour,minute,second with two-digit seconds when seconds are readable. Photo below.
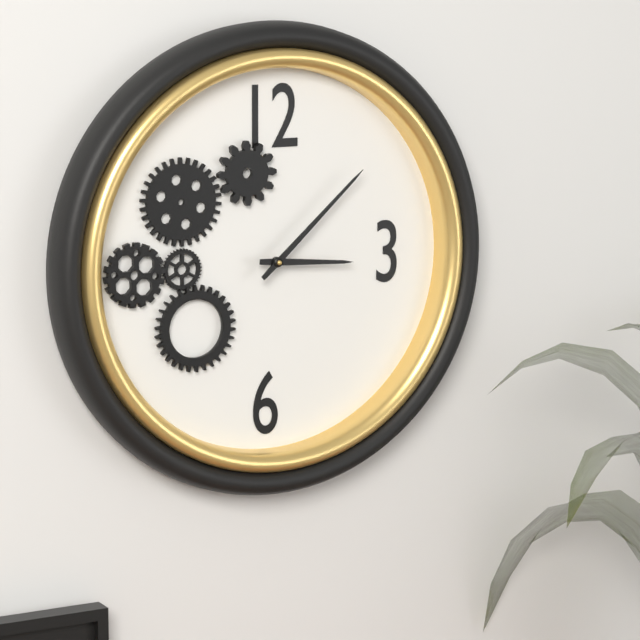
3,08
